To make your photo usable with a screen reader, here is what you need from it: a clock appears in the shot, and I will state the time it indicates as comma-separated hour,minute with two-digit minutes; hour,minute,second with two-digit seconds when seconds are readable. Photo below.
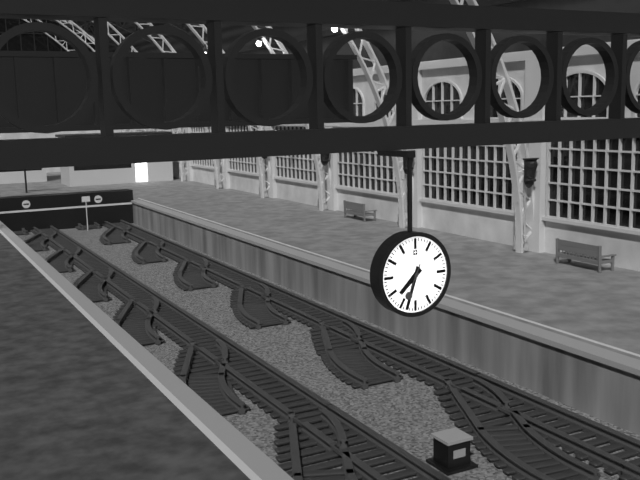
7,33
